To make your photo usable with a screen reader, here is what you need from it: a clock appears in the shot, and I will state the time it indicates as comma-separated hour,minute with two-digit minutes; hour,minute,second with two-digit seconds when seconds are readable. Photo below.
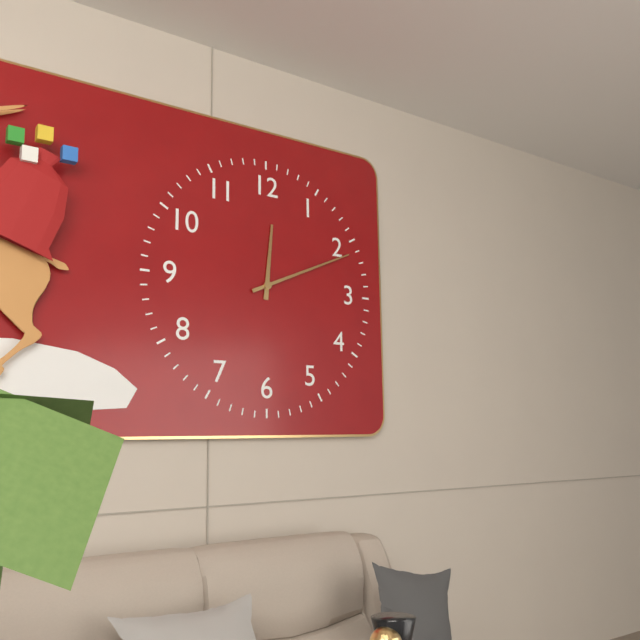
12,11
